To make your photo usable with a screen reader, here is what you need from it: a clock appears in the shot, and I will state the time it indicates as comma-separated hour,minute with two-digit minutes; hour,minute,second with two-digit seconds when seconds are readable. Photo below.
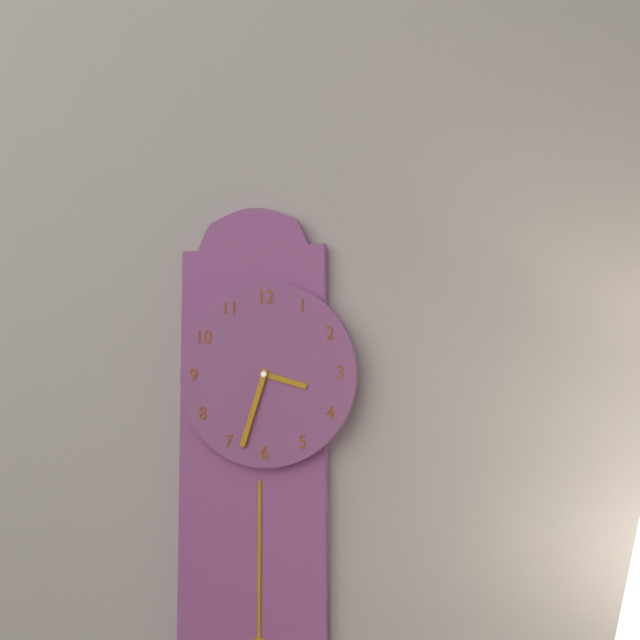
3,33
